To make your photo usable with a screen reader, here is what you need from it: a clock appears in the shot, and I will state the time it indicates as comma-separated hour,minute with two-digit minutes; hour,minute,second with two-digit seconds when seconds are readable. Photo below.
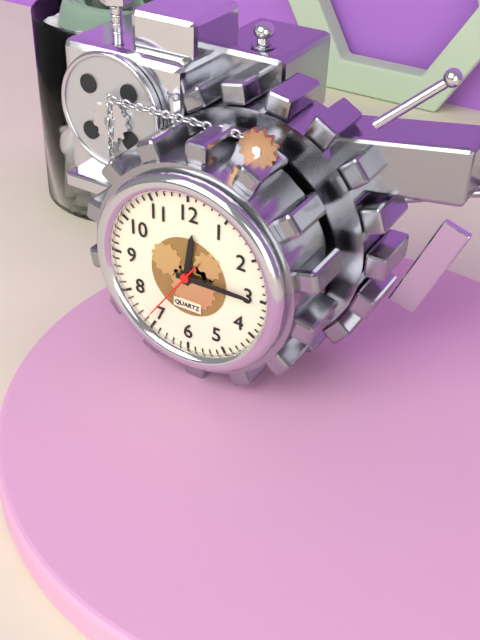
12,15,36
